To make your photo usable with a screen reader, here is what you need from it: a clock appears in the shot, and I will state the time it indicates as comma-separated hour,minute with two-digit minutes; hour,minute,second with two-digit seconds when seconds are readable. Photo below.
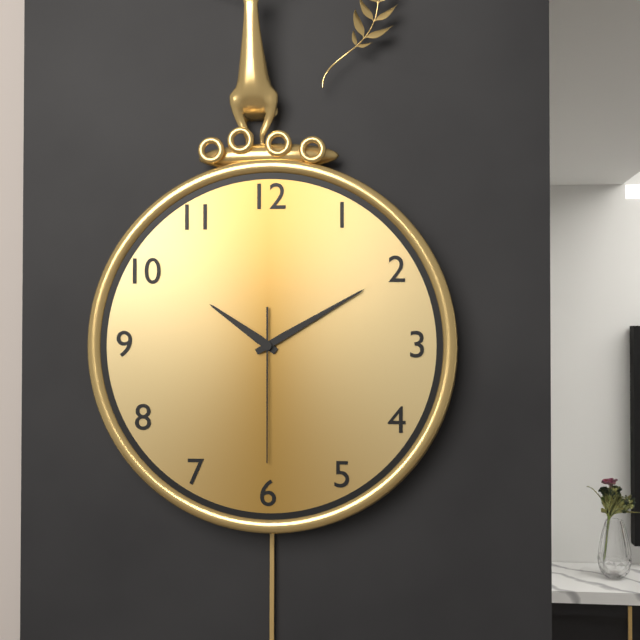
10,10,30
